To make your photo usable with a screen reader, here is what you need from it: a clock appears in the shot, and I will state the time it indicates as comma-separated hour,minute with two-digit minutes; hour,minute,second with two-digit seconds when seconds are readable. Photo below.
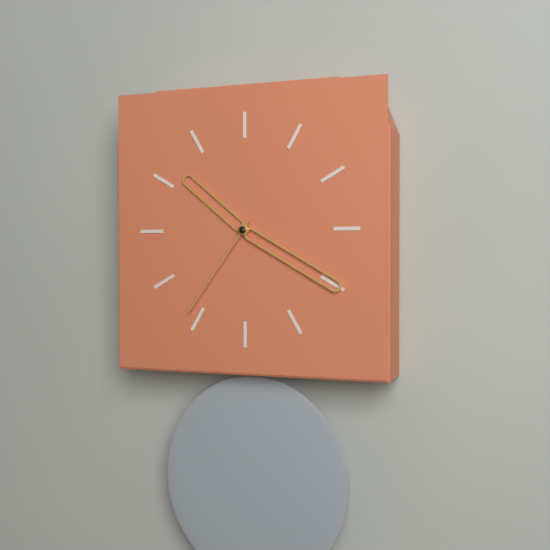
10,20,36
